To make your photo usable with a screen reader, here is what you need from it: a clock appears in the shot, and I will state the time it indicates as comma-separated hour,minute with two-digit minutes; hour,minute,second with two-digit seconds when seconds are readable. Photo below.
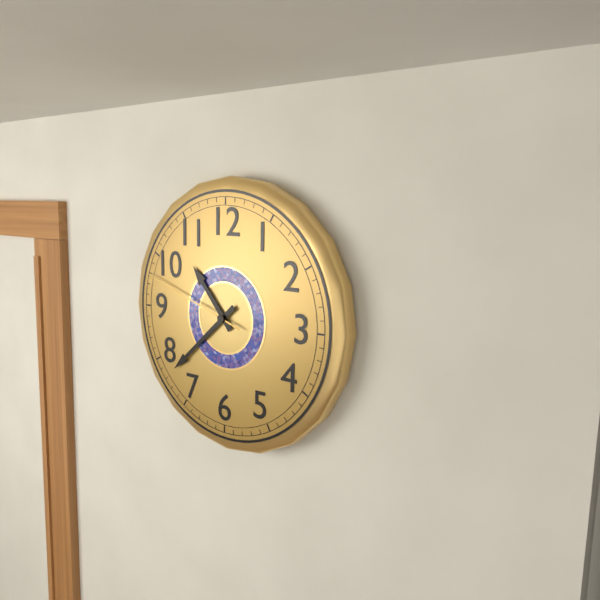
10,38,48
